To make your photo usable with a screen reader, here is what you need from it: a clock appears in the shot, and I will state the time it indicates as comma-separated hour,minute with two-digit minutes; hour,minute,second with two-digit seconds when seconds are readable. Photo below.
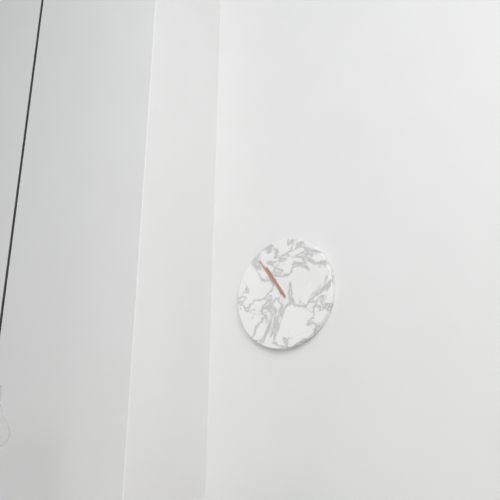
10,54
